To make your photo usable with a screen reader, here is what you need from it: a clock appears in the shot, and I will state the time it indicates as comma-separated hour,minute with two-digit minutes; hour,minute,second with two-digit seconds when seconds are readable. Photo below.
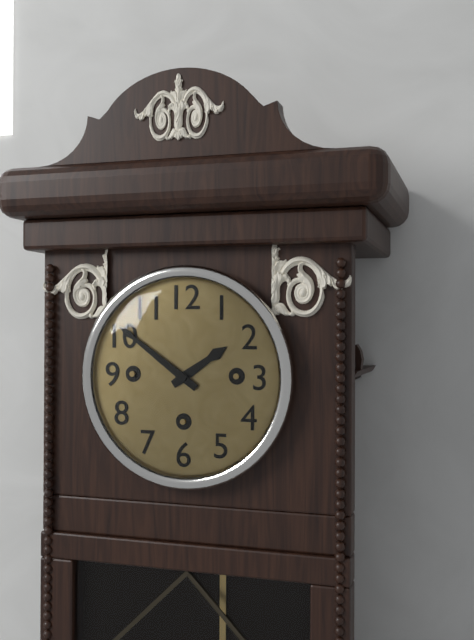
1,51
